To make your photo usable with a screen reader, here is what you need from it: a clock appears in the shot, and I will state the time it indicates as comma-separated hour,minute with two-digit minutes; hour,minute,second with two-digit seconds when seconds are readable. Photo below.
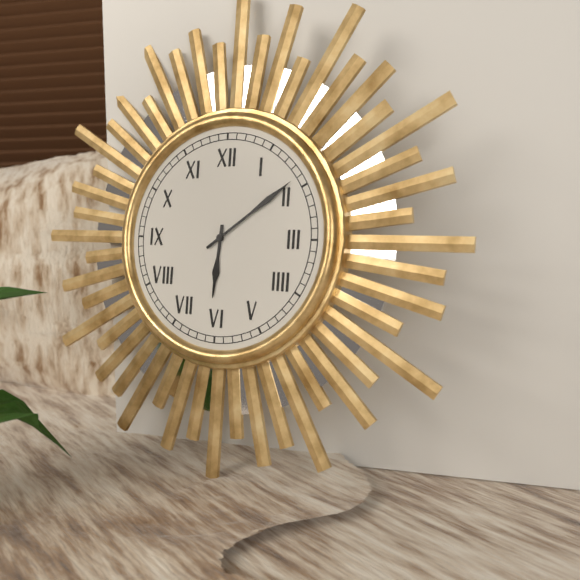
6,09
